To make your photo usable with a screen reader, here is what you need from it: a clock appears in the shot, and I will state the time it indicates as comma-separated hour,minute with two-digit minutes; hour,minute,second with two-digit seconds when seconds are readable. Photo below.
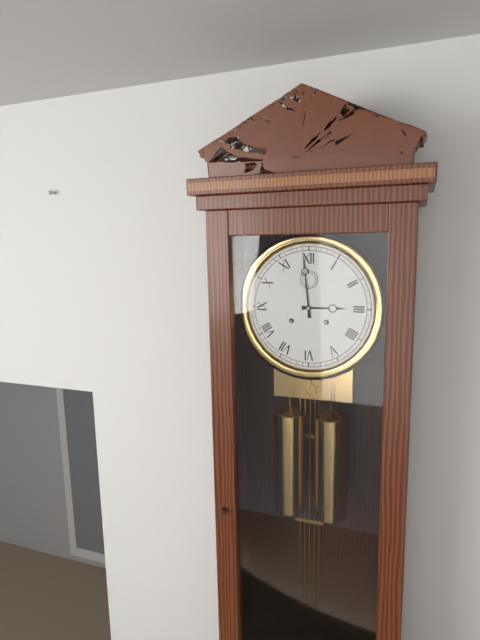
2,59
